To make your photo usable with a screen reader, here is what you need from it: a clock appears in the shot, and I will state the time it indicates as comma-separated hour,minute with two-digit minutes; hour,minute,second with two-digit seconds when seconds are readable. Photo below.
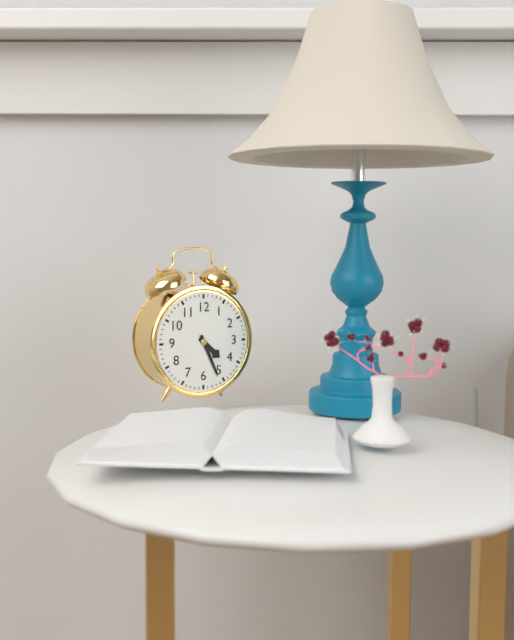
4,26
